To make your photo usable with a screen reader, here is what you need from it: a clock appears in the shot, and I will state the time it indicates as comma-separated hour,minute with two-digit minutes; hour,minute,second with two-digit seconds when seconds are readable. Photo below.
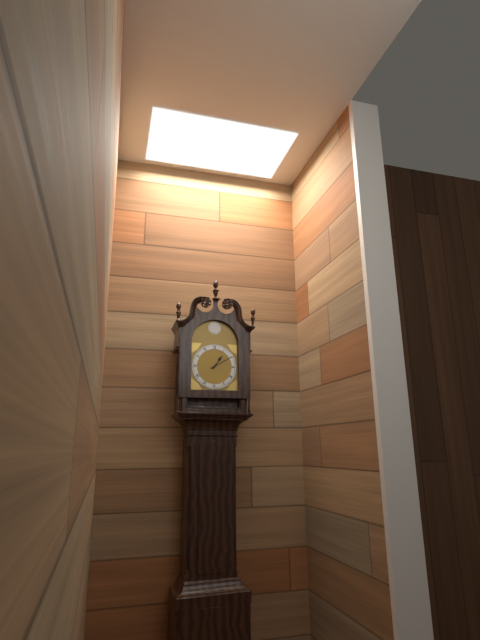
1,10
